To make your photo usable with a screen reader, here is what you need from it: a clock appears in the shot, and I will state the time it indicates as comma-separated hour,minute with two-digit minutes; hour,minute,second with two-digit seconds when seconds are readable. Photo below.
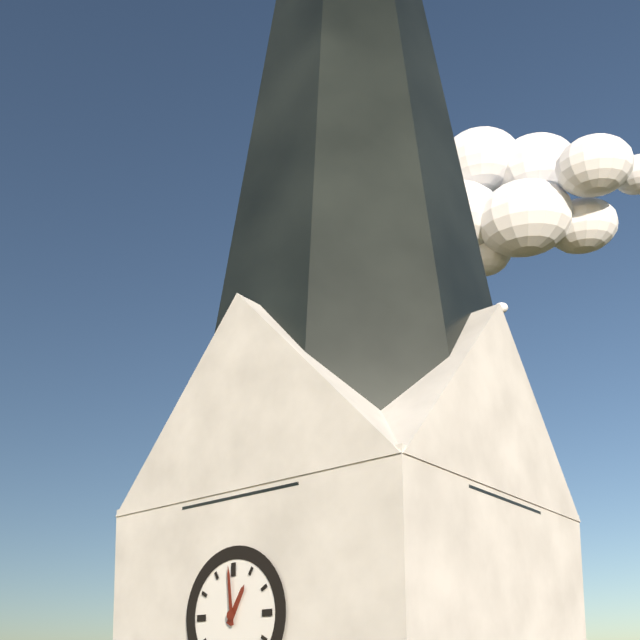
12,59
